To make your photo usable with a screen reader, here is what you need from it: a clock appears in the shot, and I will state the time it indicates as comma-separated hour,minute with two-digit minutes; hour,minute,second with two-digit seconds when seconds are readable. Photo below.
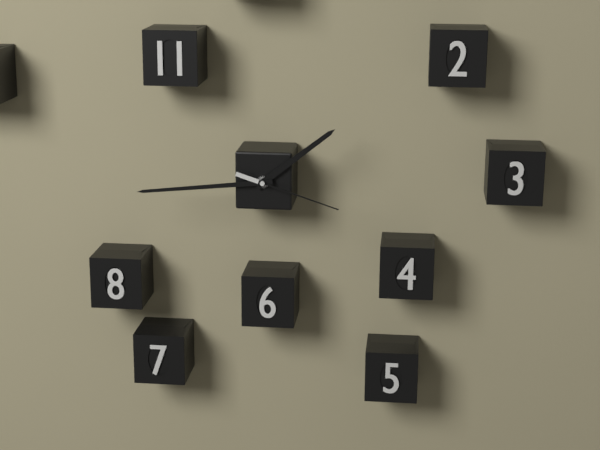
1,44,18
